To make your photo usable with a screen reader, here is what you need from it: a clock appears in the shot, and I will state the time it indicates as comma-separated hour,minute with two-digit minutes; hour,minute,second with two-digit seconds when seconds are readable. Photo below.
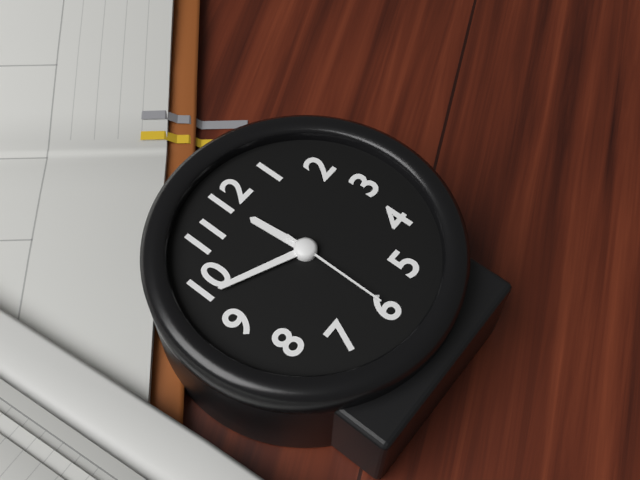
11,49,30
